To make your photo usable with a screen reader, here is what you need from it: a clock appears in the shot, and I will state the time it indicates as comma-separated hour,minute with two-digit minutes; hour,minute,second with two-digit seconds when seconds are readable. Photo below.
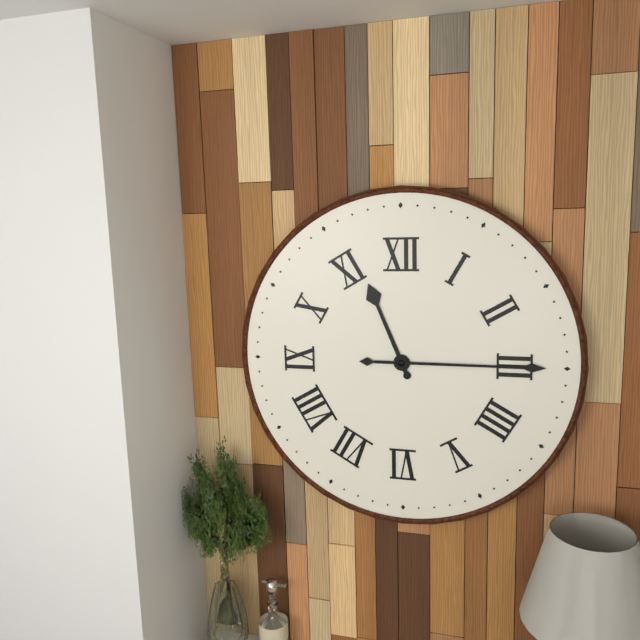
11,15
